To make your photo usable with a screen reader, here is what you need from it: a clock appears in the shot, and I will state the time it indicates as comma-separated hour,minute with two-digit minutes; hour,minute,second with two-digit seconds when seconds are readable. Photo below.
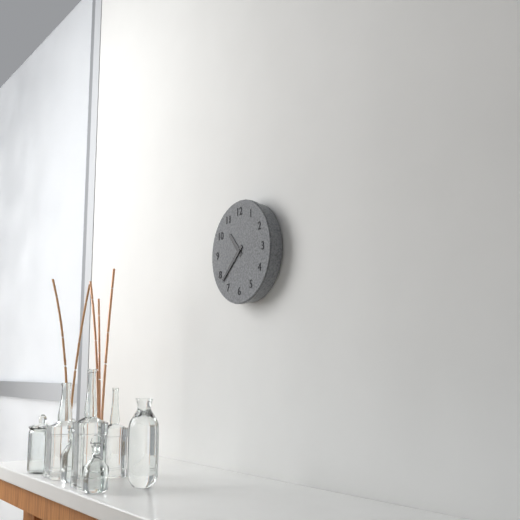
10,38
